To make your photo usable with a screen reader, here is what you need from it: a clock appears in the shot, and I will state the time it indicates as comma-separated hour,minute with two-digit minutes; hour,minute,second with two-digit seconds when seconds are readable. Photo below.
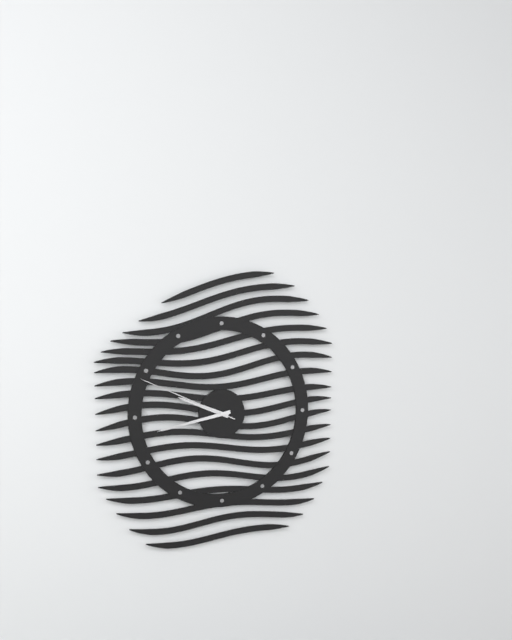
9,43,49
